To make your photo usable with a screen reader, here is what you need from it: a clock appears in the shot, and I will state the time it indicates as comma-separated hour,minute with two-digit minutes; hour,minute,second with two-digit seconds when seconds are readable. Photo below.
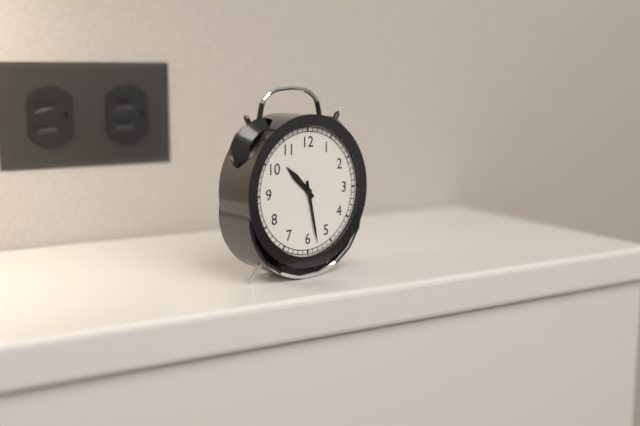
10,28
